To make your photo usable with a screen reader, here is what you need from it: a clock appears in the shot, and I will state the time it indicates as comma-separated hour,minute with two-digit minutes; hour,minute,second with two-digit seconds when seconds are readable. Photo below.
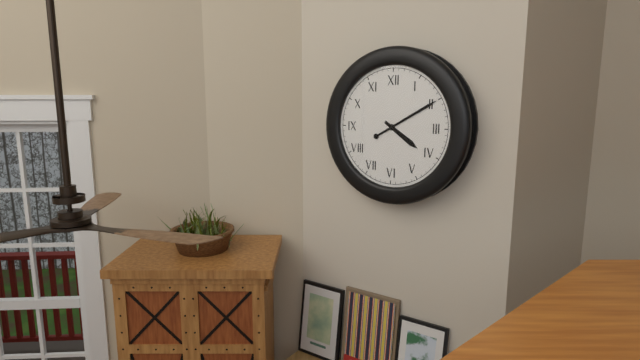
4,10
